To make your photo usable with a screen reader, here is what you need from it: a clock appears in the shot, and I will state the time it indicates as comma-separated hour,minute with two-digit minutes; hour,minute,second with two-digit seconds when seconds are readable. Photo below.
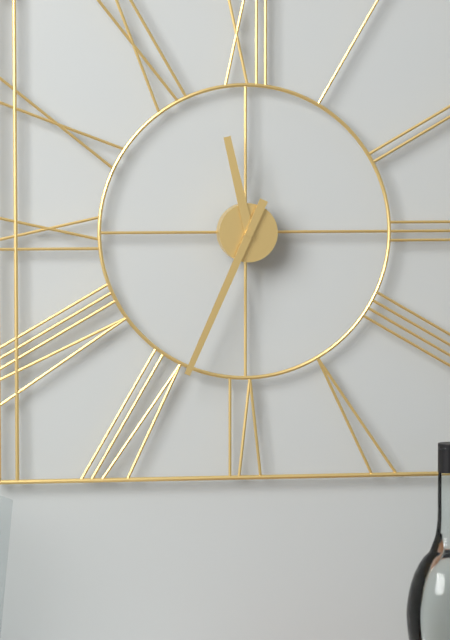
11,34
